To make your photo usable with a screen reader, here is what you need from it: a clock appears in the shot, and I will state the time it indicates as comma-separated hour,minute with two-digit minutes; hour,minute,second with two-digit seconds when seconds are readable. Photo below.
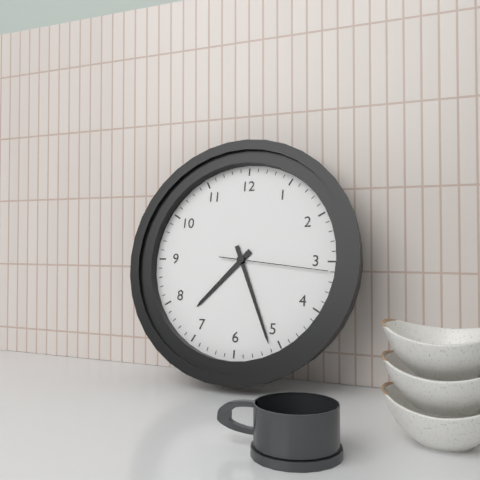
7,26,16
